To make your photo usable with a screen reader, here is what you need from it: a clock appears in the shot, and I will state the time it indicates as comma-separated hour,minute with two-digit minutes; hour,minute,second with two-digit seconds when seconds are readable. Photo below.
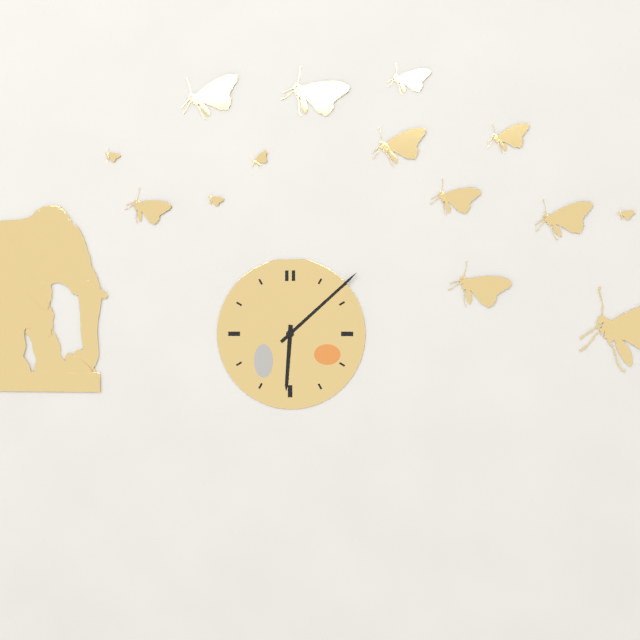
6,08
